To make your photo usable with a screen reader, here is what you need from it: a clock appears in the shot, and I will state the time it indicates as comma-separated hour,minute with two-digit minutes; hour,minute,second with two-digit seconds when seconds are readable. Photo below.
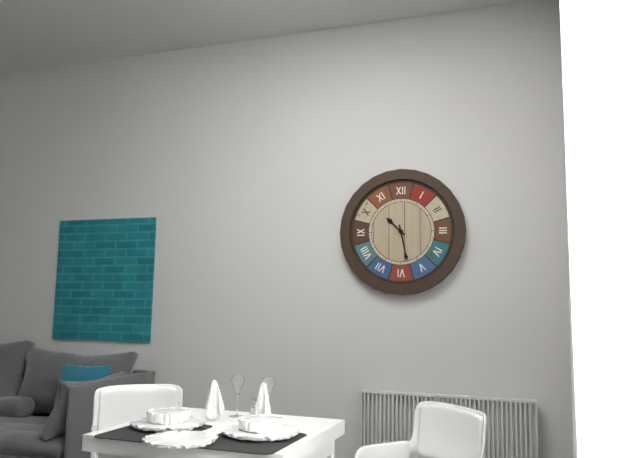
10,28
